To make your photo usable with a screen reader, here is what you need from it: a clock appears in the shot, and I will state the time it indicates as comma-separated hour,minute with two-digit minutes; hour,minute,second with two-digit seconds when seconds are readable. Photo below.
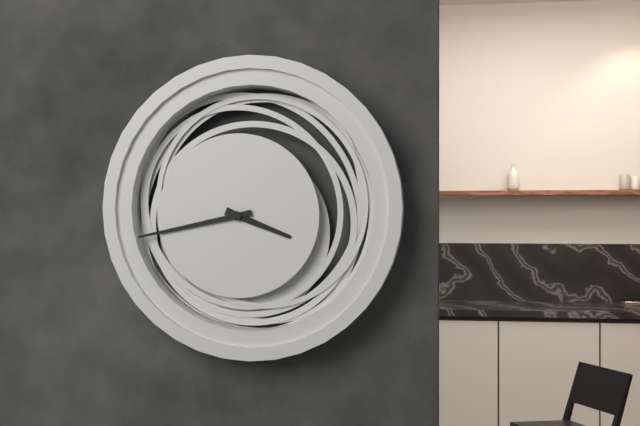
3,43
